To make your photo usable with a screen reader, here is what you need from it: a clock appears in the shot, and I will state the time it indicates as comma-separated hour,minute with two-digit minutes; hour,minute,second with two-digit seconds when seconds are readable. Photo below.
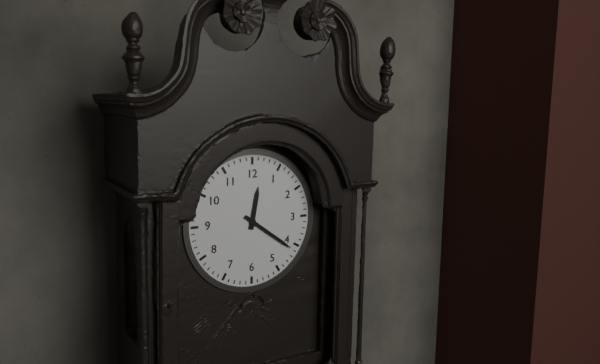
12,21
